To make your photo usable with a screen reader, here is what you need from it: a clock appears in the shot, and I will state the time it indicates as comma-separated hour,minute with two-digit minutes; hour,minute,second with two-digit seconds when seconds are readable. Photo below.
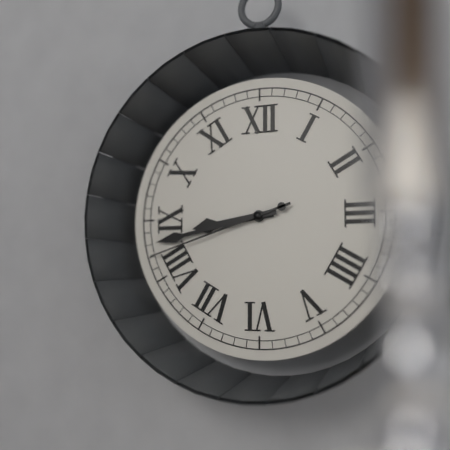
8,43,42
